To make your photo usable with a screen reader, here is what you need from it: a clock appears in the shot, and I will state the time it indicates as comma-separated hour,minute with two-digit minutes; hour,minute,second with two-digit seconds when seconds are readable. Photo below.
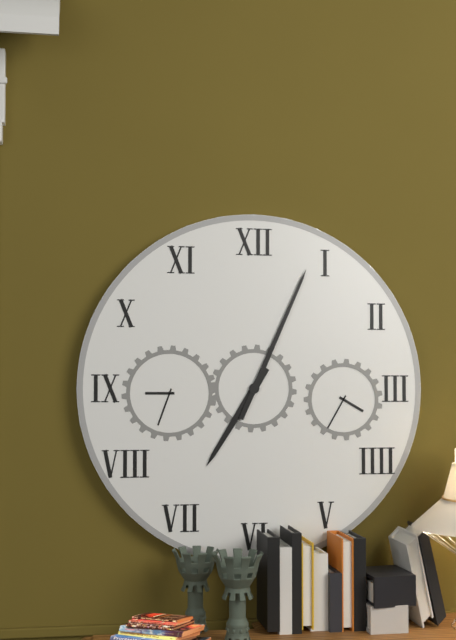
7,04
